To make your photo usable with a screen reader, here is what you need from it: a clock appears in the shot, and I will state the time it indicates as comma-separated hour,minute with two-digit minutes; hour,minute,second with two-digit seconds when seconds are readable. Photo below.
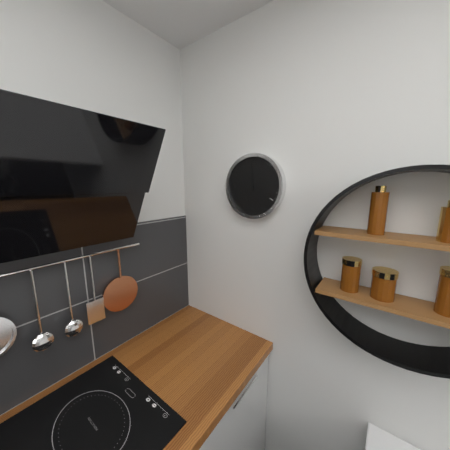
11,59
